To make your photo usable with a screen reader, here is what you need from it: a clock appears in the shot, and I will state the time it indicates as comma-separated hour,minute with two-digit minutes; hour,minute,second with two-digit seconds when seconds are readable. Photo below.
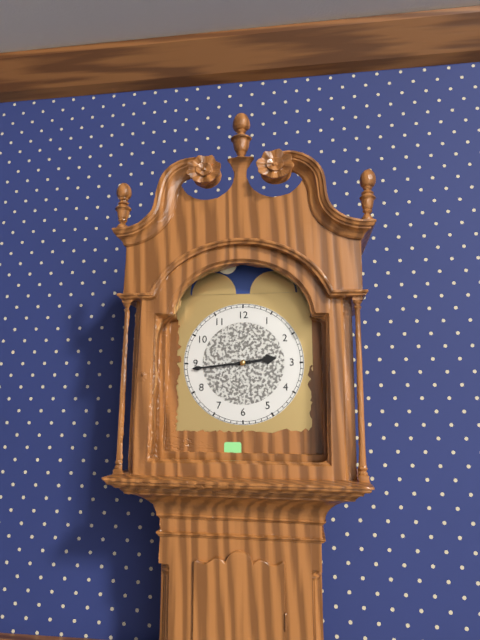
2,44
